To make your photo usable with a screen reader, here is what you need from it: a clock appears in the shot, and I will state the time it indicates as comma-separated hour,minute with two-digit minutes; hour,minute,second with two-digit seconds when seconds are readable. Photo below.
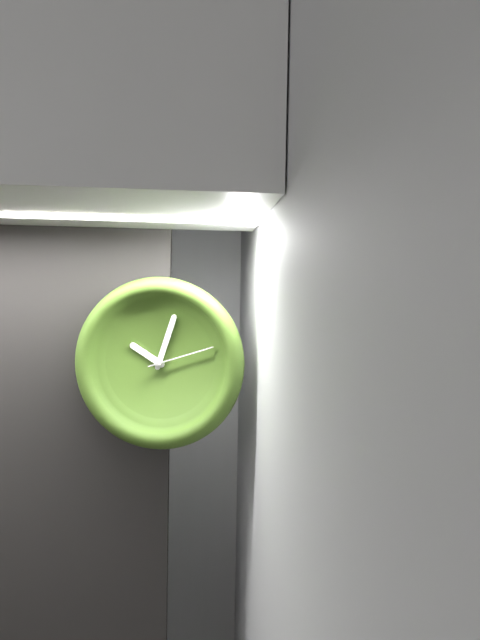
10,03,12
